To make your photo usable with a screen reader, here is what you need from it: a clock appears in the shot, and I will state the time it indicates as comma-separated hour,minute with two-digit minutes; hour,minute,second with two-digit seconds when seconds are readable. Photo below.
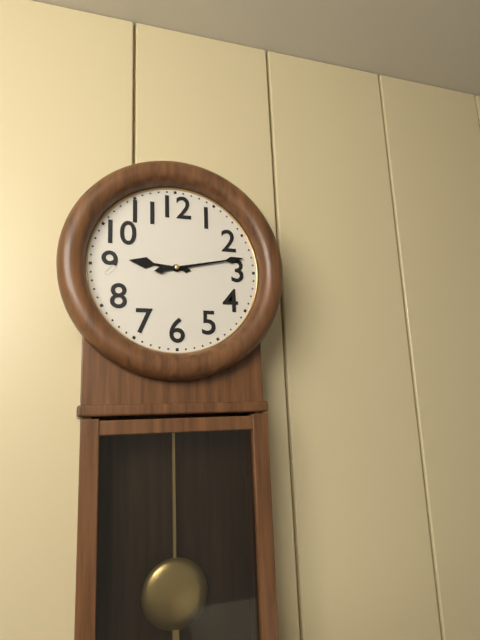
9,13
